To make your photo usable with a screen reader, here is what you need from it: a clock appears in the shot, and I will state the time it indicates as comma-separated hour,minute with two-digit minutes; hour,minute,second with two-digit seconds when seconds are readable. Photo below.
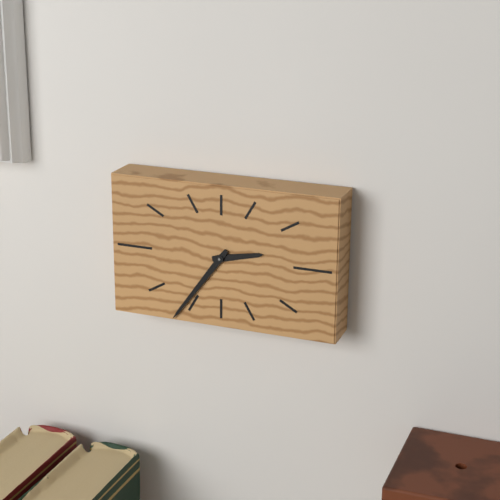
2,36
